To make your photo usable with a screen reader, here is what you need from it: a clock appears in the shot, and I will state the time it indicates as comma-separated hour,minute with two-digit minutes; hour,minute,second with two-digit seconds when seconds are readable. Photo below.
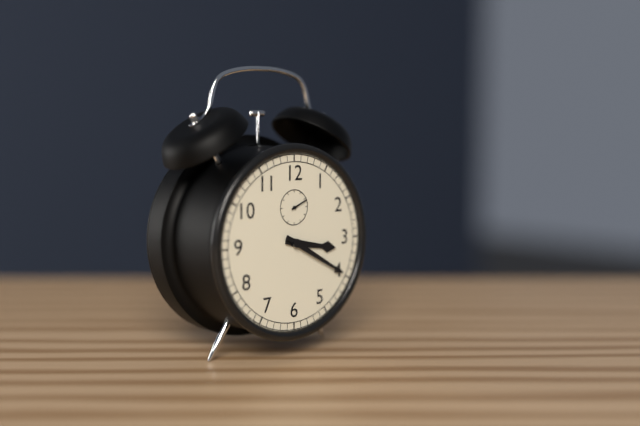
3,20
